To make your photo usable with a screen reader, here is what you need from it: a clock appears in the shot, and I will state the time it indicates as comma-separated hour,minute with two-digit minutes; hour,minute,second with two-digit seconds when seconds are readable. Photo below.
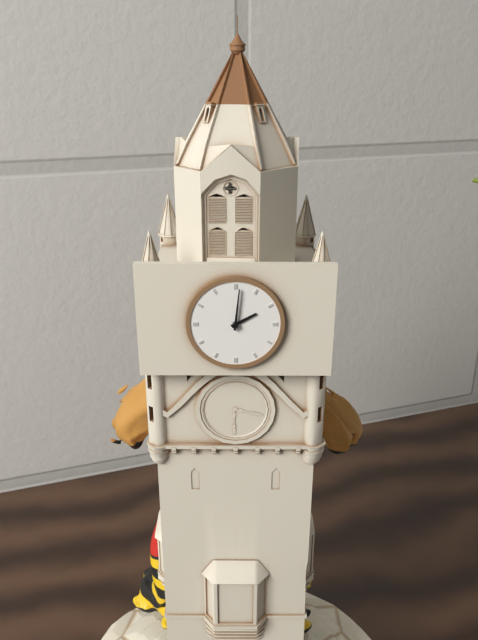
2,01
